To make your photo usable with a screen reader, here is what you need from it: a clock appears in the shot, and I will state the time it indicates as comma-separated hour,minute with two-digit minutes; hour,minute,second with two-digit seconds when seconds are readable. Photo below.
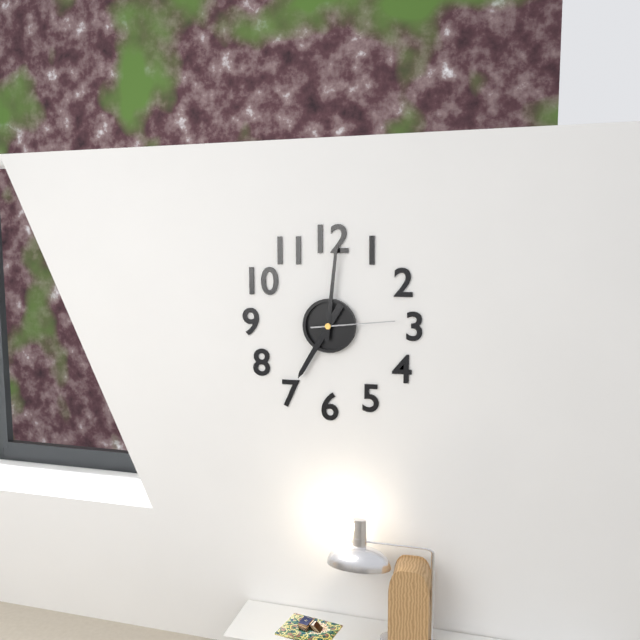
7,01,14
